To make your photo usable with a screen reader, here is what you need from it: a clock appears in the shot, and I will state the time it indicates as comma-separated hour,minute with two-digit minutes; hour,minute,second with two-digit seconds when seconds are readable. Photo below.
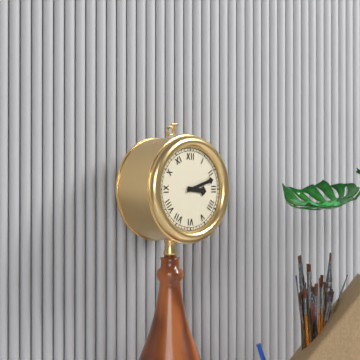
3,12
